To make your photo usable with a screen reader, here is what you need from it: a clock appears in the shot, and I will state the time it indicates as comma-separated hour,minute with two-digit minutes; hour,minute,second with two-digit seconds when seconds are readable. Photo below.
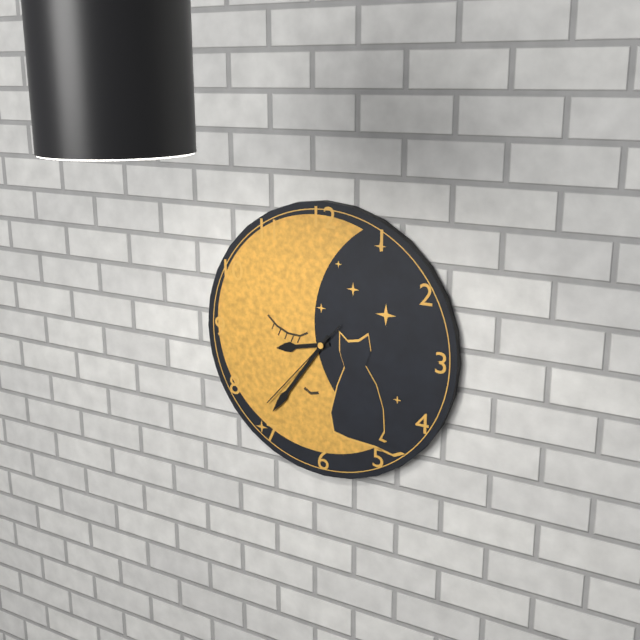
8,36,37
